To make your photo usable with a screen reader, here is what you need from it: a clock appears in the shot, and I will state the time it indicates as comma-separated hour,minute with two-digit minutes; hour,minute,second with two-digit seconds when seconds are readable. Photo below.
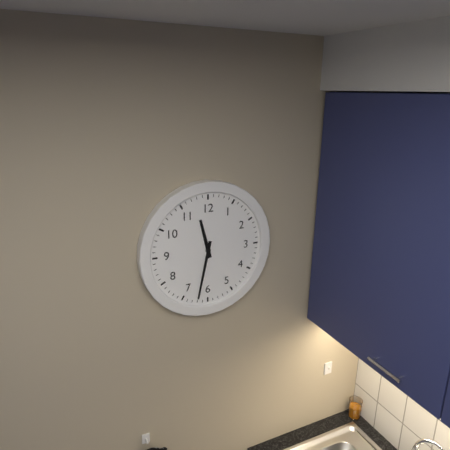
11,32
